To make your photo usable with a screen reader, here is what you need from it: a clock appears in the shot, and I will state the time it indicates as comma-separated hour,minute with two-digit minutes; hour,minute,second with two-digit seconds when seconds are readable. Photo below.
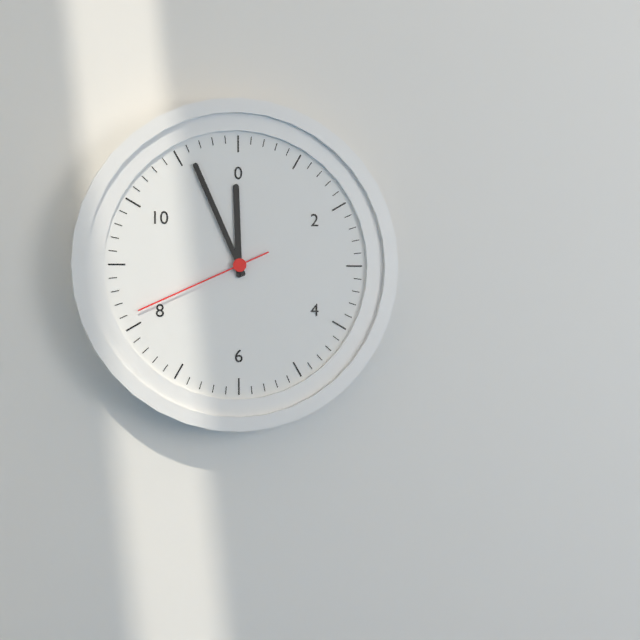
11,56,41
